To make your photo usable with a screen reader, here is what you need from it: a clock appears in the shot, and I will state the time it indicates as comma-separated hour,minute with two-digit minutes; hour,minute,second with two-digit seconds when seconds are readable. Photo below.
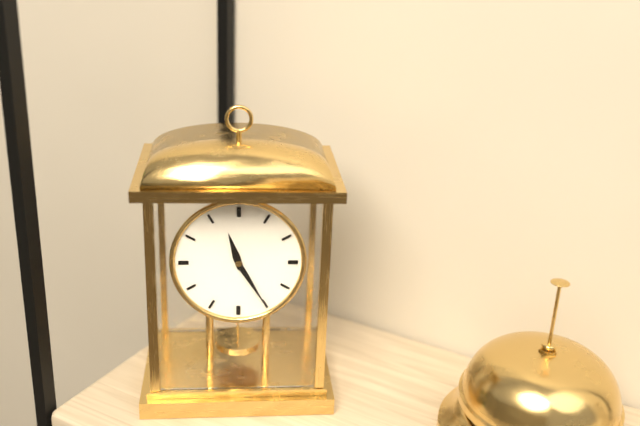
11,25
